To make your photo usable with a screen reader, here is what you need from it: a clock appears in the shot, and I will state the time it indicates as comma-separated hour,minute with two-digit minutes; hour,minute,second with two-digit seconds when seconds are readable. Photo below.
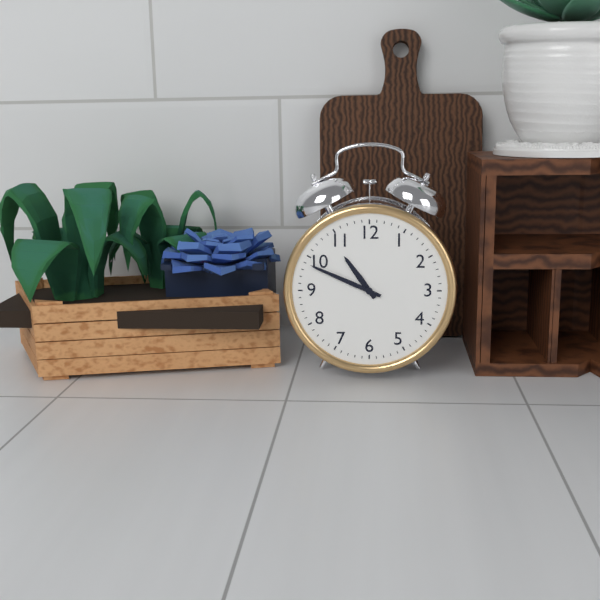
10,49
